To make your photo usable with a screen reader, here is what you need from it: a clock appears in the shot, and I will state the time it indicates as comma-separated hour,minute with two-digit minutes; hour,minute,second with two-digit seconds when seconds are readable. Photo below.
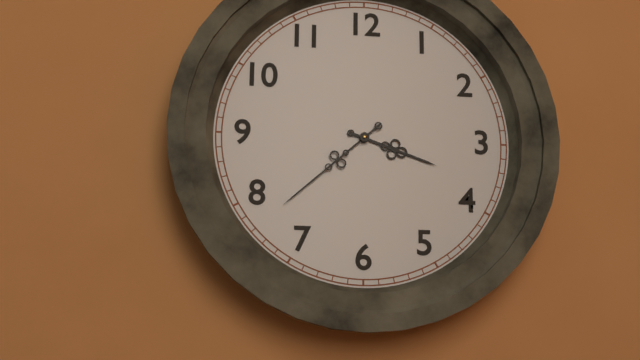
3,38
